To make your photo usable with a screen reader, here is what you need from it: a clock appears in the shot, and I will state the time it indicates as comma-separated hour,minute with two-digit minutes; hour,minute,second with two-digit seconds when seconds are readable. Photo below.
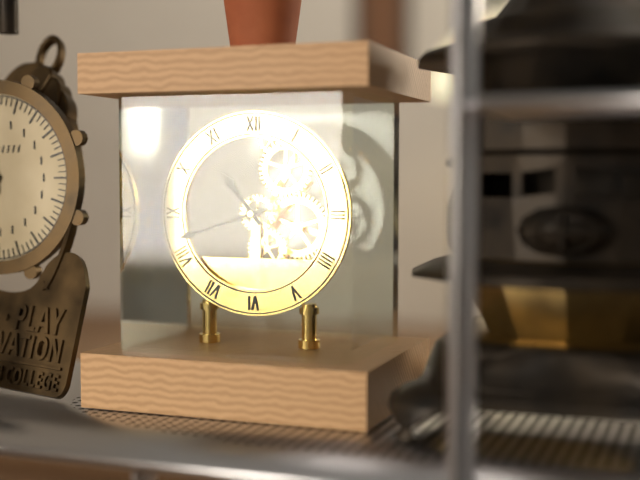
10,42
